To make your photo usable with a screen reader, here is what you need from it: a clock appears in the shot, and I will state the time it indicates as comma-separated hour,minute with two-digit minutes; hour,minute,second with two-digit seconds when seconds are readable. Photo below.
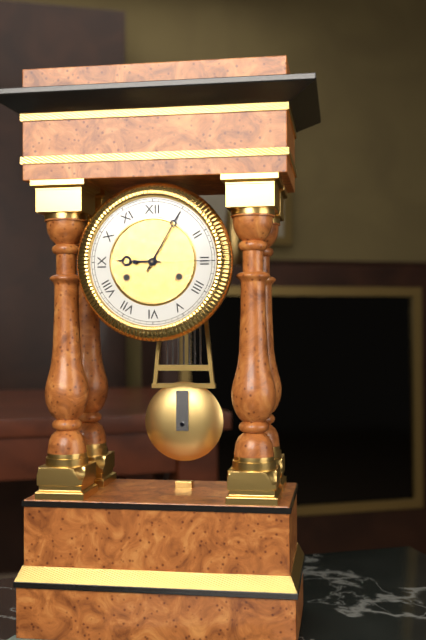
9,05,15
